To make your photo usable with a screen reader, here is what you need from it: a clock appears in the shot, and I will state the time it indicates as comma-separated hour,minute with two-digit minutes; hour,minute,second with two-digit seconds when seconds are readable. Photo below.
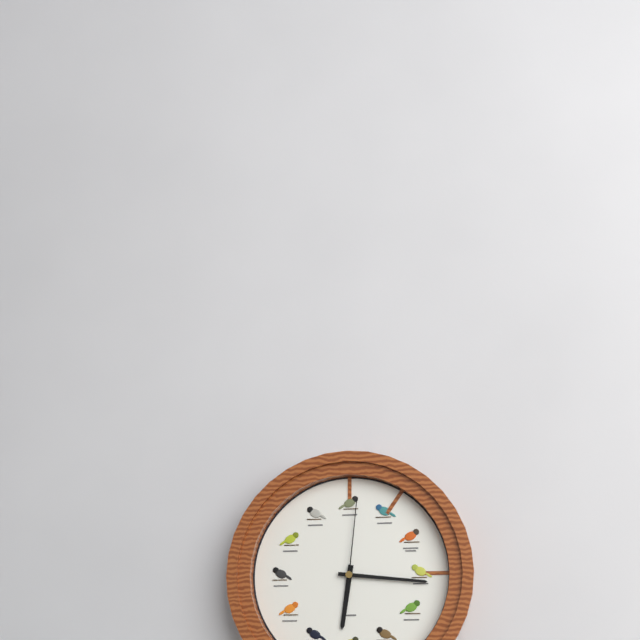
6,16,01
